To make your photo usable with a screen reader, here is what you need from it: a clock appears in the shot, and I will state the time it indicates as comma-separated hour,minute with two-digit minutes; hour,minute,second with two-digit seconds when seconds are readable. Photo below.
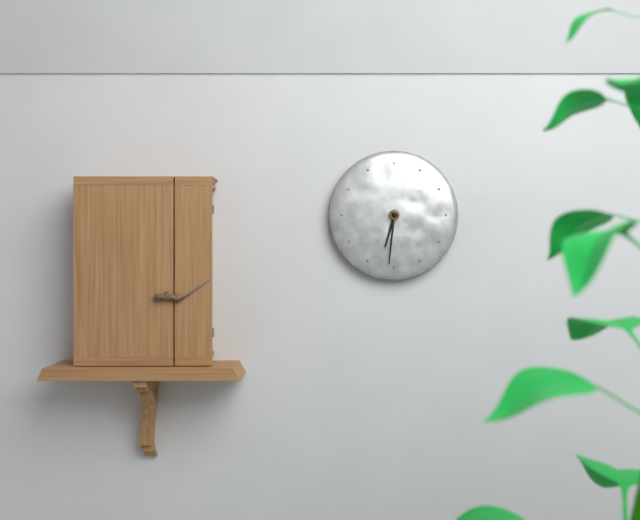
6,31
